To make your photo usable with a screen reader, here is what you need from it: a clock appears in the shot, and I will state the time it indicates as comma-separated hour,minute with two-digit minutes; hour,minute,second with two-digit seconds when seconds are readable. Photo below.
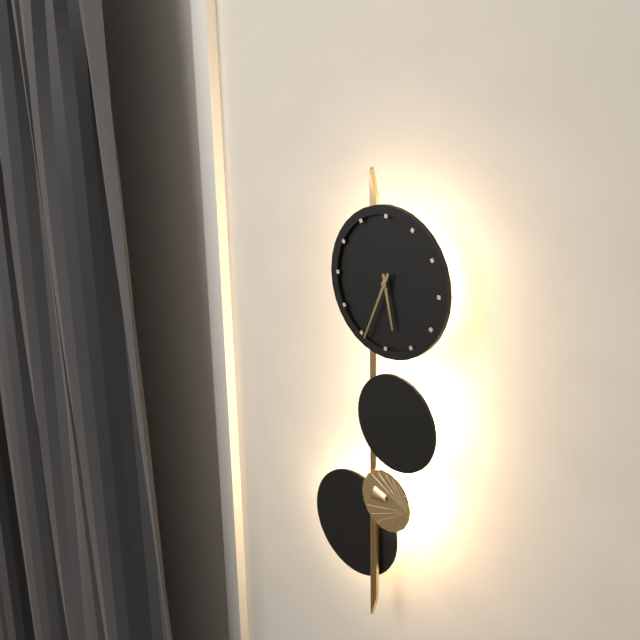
5,34
